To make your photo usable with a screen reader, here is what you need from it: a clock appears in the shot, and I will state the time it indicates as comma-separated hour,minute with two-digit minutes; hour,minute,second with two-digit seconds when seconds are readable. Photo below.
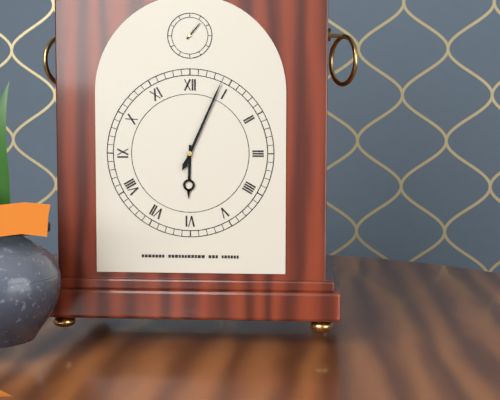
6,04
